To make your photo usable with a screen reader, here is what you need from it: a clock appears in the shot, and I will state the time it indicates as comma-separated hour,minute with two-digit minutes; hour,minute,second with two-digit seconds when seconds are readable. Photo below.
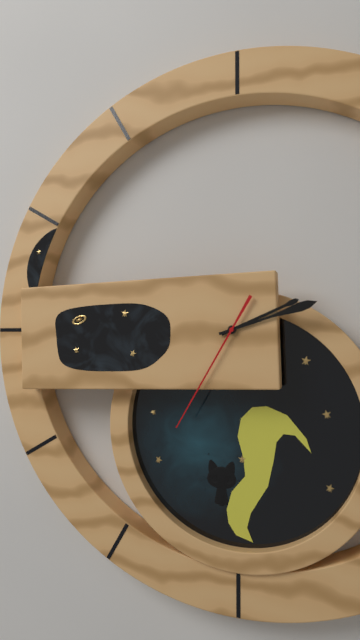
2,12,35
